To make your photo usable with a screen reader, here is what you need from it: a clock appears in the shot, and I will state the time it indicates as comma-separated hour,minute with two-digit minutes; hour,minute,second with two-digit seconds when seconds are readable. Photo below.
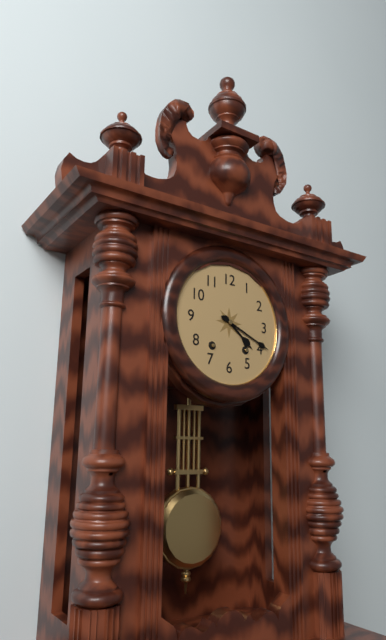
4,19
